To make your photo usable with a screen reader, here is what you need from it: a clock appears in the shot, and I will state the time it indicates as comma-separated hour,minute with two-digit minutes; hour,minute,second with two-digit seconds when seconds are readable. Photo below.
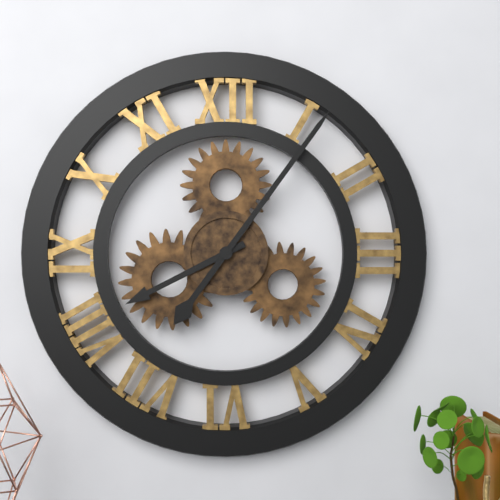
8,06
